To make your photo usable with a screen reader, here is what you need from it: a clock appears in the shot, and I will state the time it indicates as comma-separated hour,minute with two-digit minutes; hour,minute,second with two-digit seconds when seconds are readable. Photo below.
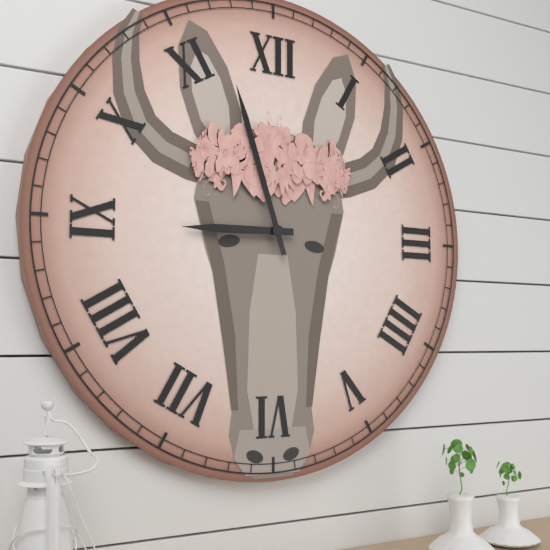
8,57
